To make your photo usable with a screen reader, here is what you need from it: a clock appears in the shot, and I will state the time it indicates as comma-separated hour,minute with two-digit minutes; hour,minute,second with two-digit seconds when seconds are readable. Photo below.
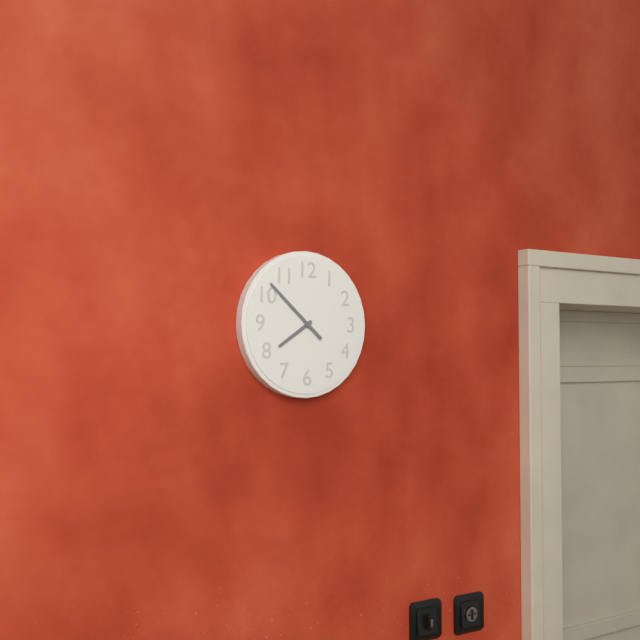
7,52
